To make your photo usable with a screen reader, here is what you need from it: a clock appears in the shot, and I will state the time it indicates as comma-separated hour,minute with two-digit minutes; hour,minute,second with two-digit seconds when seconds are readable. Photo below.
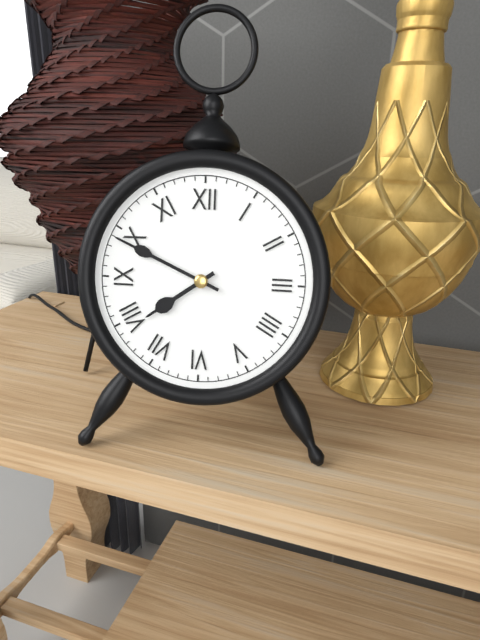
7,49
